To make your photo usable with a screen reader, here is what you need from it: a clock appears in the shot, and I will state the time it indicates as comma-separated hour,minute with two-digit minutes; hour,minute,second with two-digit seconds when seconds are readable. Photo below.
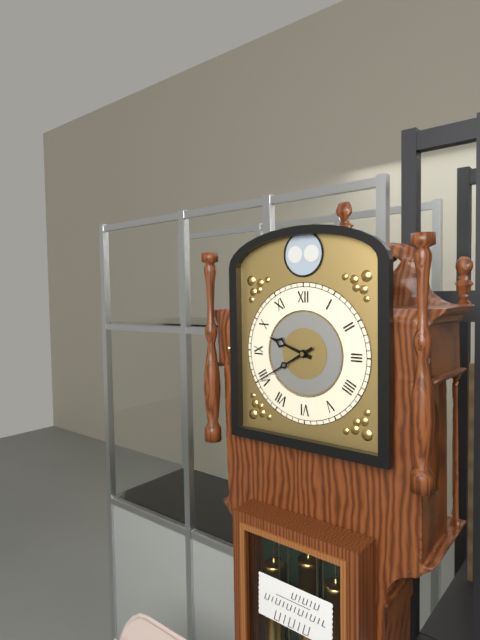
9,40
